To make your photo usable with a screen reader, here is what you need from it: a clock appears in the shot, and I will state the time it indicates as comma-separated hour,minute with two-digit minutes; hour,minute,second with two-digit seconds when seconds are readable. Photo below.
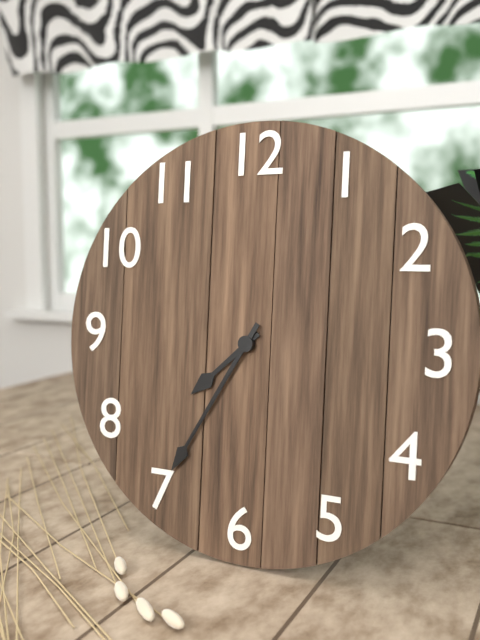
7,35
